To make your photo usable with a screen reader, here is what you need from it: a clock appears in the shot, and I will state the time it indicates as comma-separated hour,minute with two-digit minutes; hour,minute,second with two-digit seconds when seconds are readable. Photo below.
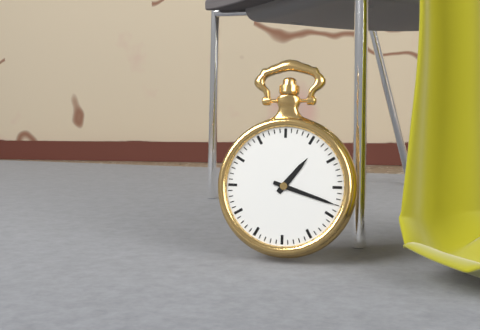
1,18
